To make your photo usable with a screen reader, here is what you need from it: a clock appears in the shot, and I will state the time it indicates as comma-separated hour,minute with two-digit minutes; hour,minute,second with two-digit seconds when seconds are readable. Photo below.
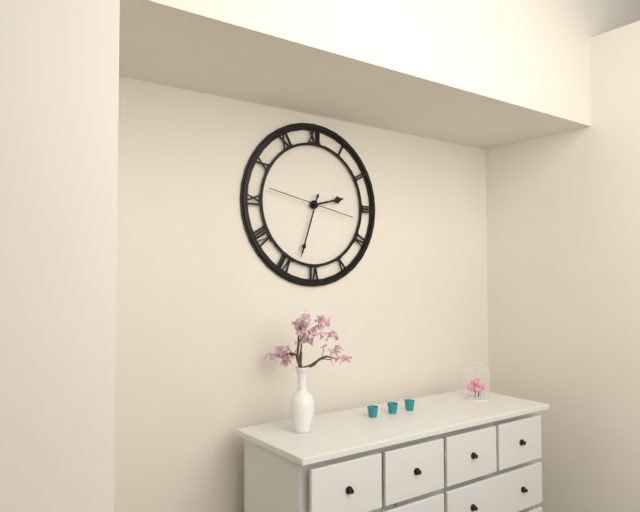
2,33,47
